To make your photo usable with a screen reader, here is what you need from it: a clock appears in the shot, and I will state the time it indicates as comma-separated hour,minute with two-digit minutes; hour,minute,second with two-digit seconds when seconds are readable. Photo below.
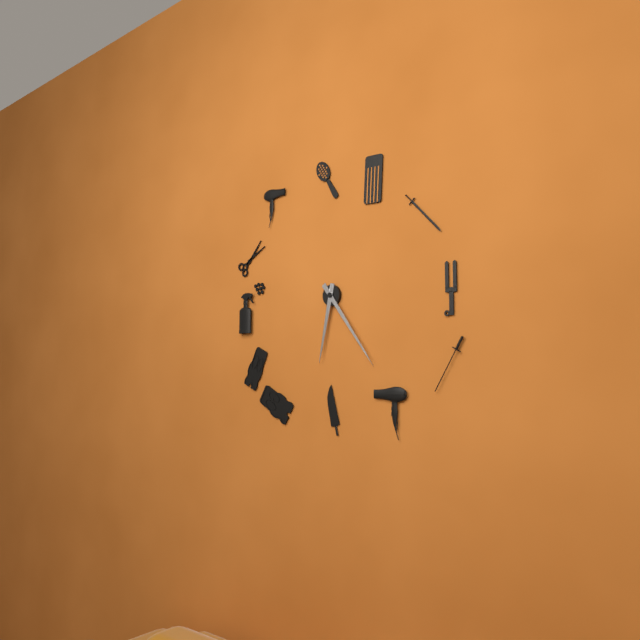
6,24
